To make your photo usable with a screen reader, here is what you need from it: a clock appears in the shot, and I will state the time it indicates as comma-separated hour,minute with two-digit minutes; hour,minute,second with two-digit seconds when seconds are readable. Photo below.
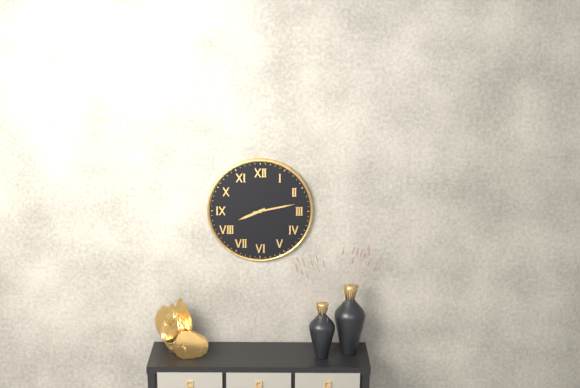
8,13
